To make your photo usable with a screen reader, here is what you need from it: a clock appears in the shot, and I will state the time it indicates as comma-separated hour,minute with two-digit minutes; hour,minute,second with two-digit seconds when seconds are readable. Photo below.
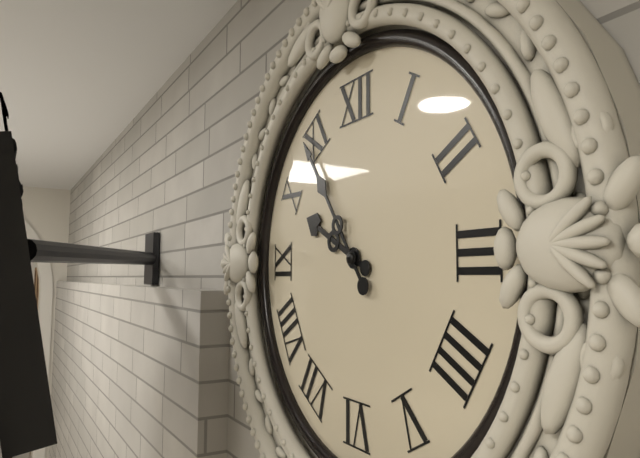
9,54
